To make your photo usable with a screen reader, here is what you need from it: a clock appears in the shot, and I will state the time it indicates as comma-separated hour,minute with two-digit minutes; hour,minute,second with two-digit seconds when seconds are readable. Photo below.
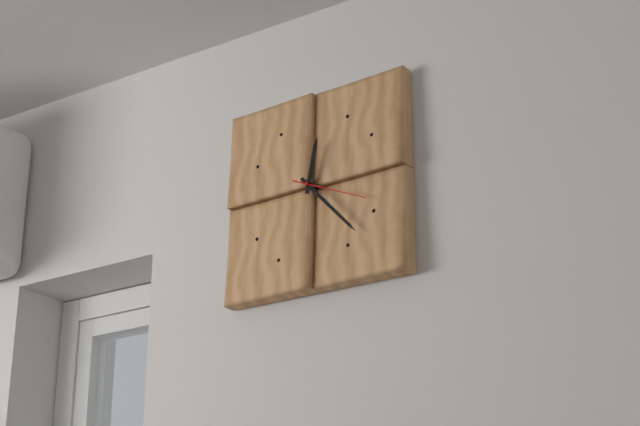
12,23,19
